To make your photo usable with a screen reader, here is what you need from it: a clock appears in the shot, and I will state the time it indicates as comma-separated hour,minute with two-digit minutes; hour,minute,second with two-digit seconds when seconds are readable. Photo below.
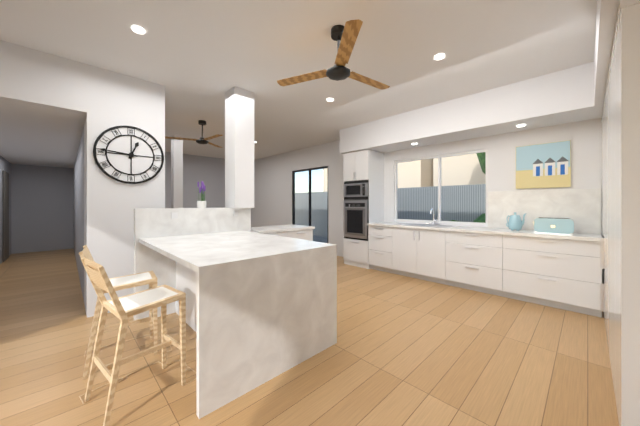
12,46
